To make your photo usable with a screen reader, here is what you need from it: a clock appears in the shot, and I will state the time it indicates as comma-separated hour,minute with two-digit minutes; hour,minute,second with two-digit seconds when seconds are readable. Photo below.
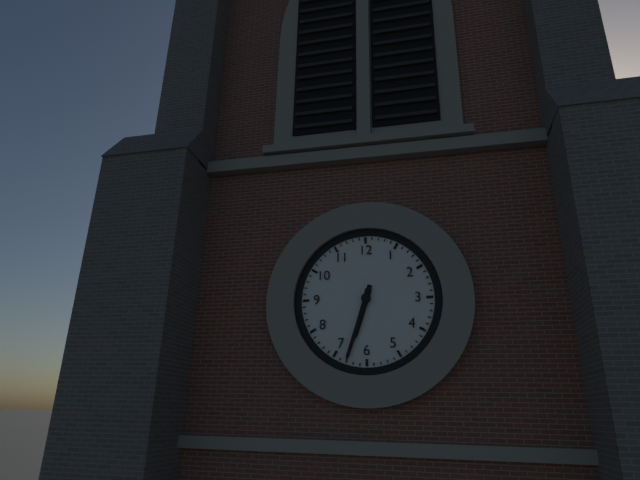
6,33
